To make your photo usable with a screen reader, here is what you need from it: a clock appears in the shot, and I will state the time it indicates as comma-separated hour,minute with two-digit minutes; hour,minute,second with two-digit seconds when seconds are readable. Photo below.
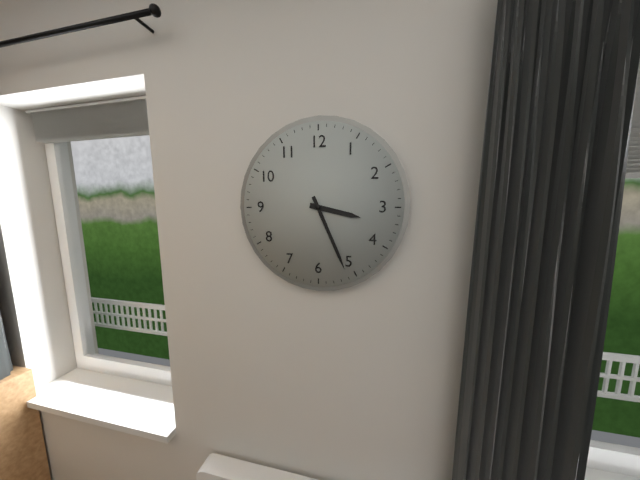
3,26
